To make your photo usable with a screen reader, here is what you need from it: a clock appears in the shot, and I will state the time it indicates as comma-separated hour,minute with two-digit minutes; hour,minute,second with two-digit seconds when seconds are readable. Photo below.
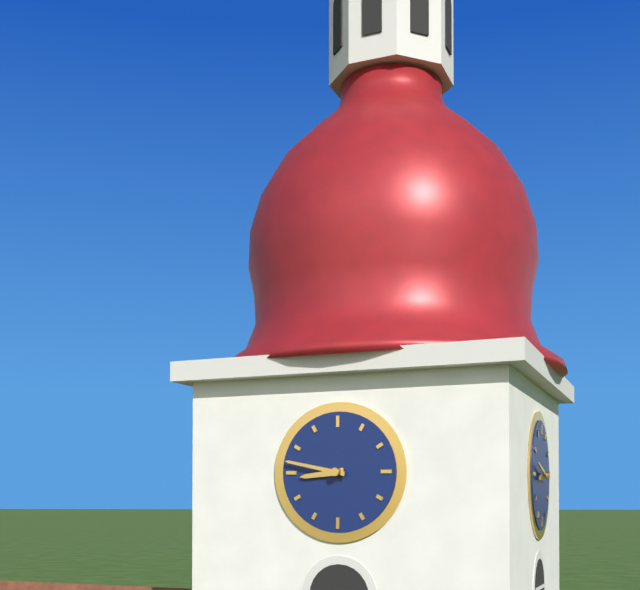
8,47
